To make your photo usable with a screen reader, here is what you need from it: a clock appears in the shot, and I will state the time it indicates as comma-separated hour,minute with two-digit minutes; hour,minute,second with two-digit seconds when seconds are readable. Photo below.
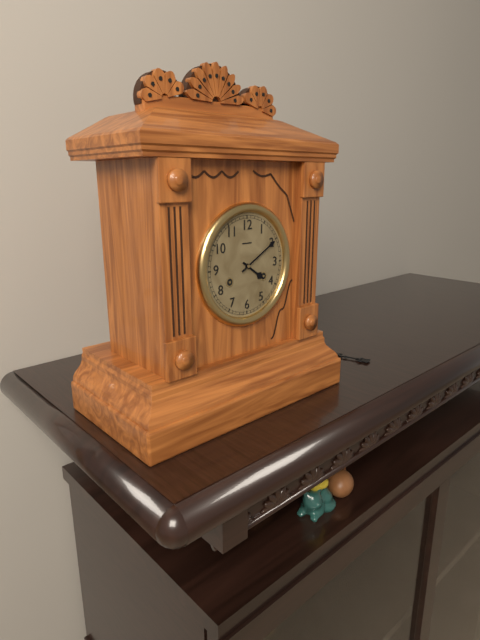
4,10
